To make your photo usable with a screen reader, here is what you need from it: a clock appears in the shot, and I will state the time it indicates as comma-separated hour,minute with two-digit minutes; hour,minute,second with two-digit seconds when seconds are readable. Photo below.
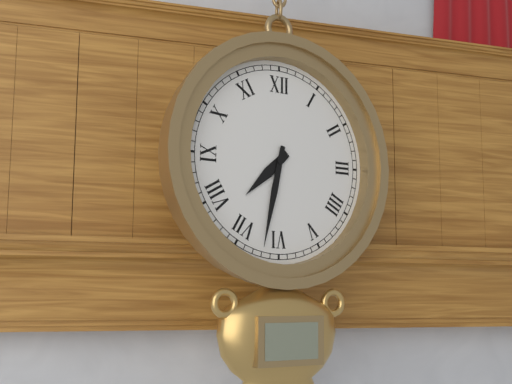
7,32
